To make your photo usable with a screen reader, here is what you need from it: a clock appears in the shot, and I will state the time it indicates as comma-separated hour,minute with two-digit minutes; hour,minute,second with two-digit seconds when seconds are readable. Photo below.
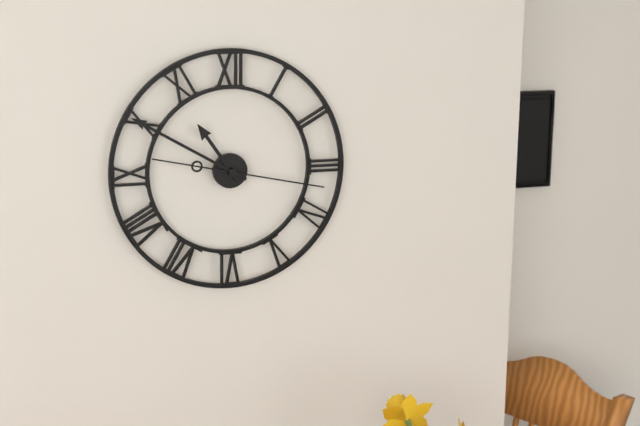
10,50,17
